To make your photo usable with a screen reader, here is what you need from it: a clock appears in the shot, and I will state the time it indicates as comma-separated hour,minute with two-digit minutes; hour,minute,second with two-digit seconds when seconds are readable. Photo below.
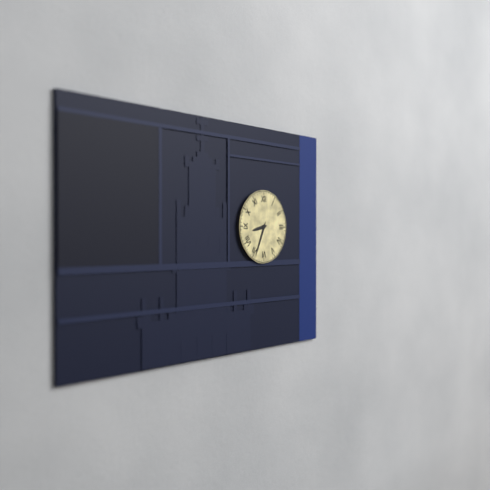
8,34
